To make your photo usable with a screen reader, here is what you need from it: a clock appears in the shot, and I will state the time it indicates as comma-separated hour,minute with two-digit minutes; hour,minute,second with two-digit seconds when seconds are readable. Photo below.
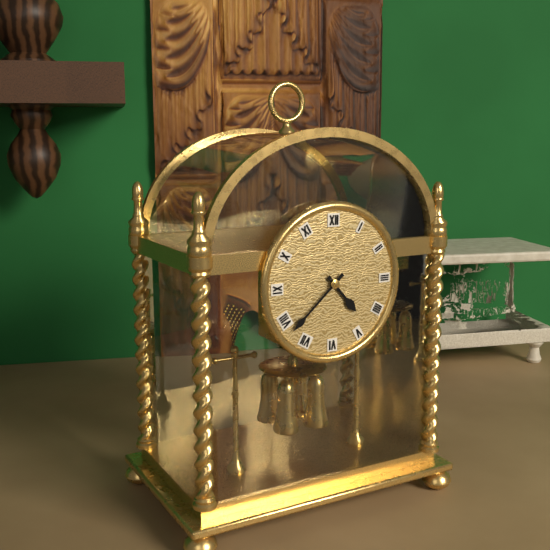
4,38
